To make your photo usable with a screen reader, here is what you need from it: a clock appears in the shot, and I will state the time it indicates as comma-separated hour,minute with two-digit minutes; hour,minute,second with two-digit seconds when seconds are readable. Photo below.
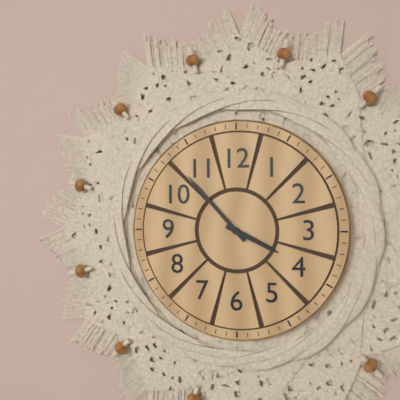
3,53
